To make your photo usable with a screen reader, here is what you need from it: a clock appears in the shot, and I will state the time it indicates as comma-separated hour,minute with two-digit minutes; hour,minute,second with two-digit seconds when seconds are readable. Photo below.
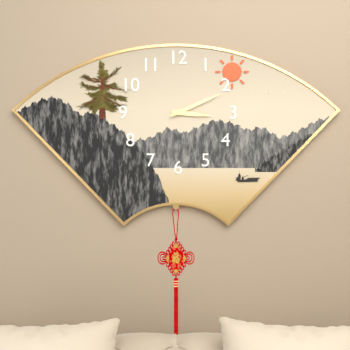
3,11
